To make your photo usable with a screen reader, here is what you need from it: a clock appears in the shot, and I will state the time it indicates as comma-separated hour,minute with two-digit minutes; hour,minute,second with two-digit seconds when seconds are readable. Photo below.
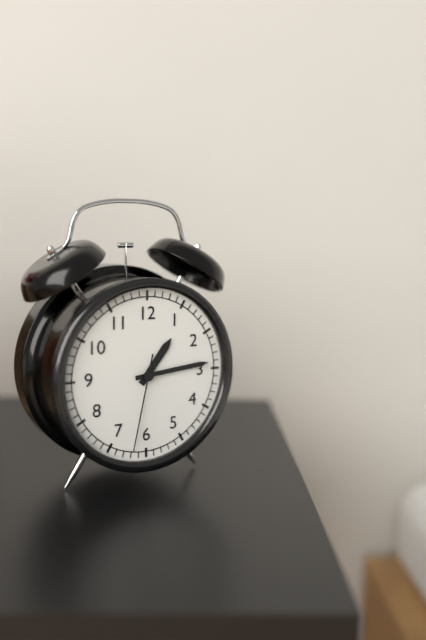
1,14,32
